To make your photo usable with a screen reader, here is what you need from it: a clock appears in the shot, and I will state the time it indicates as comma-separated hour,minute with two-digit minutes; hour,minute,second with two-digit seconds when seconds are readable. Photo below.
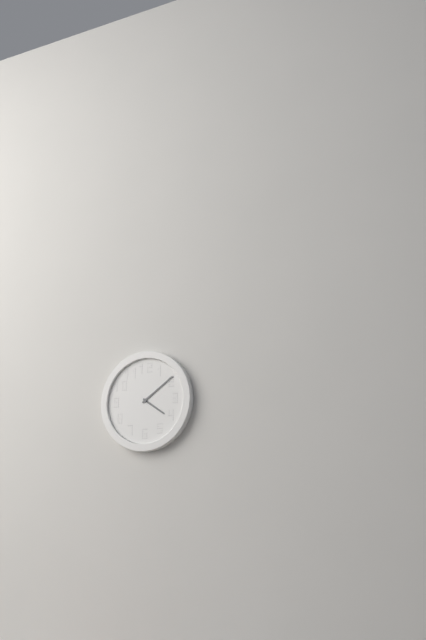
4,09
